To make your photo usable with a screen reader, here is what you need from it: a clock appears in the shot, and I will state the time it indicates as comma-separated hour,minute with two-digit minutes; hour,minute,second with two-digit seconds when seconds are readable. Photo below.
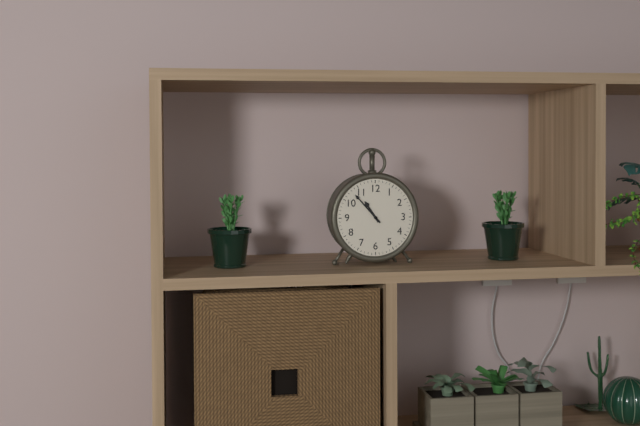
10,53
